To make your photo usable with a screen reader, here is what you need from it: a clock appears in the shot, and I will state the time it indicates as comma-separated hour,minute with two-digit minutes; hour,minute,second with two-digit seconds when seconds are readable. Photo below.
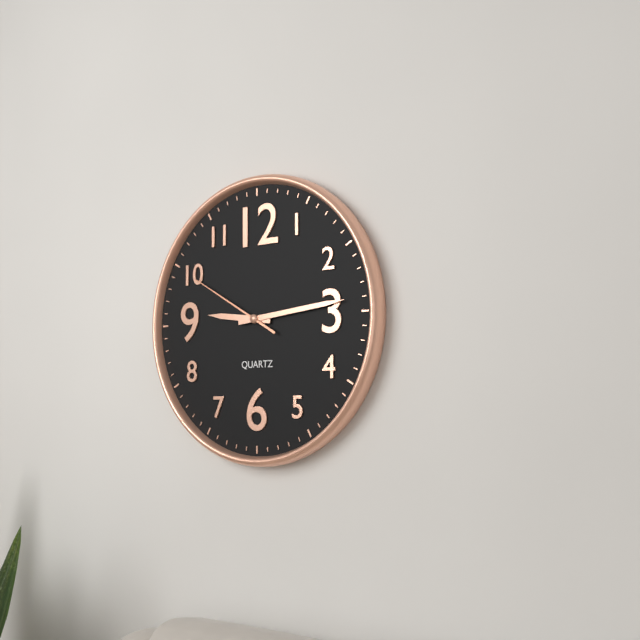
9,14,50
